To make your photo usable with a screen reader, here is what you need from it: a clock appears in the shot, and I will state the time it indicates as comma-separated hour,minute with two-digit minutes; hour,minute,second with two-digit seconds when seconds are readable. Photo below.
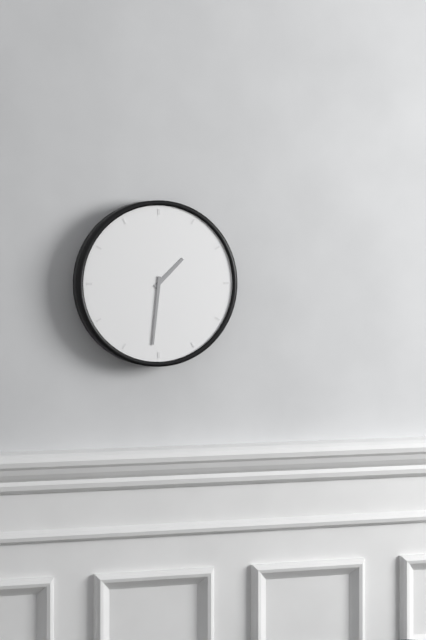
1,31
